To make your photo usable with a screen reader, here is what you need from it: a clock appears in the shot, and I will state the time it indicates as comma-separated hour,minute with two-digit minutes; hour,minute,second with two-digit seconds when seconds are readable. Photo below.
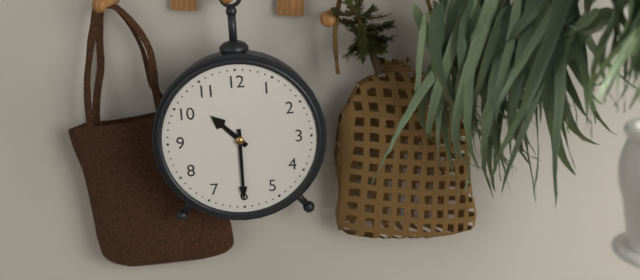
10,30
